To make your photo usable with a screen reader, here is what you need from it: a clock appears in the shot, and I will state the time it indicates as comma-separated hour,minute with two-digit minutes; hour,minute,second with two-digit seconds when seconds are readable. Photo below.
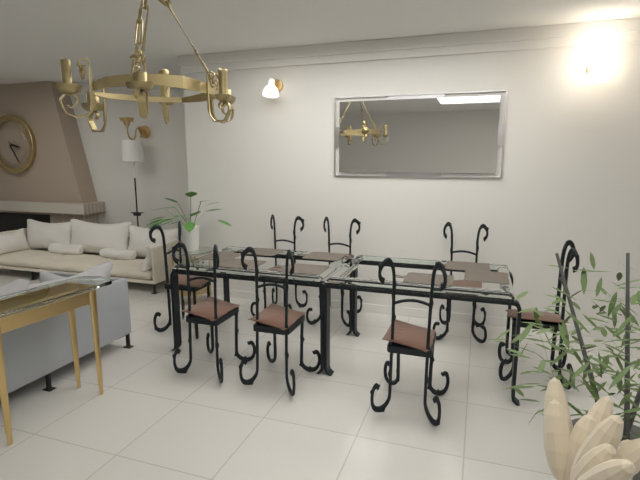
3,25
